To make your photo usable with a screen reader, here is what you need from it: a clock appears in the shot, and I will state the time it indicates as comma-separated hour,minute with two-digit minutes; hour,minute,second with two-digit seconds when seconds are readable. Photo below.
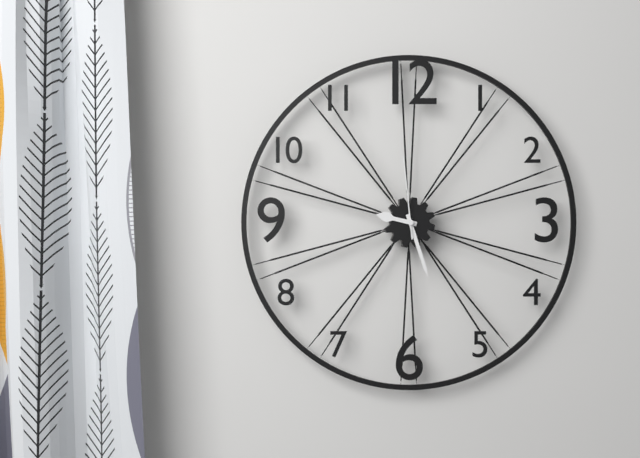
9,27,59
